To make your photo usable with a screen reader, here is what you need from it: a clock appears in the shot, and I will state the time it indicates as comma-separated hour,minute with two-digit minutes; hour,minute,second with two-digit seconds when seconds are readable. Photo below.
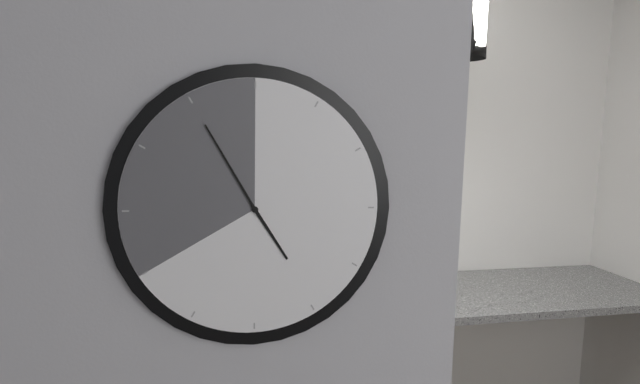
4,55
